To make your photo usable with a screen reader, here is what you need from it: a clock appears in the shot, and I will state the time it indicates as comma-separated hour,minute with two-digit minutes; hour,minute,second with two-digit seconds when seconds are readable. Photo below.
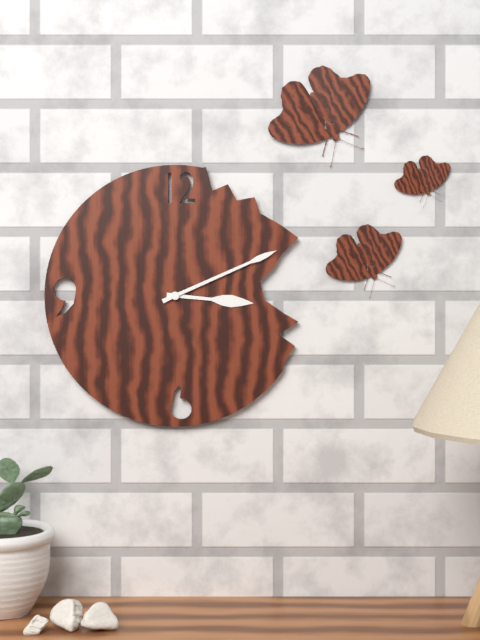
3,11
